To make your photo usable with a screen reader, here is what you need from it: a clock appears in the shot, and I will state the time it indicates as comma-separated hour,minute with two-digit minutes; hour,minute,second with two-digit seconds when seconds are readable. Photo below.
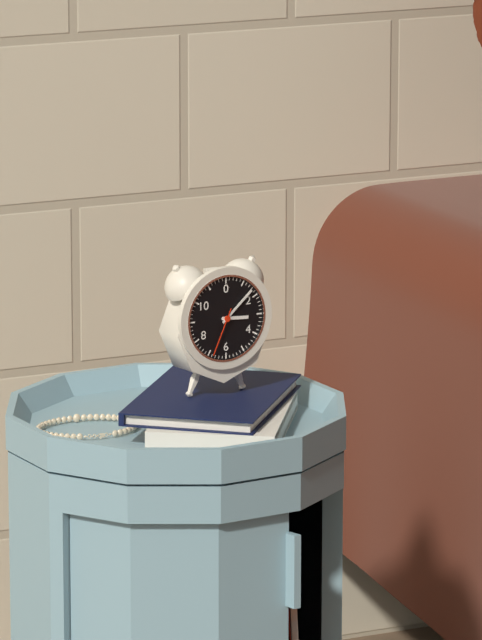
3,08
